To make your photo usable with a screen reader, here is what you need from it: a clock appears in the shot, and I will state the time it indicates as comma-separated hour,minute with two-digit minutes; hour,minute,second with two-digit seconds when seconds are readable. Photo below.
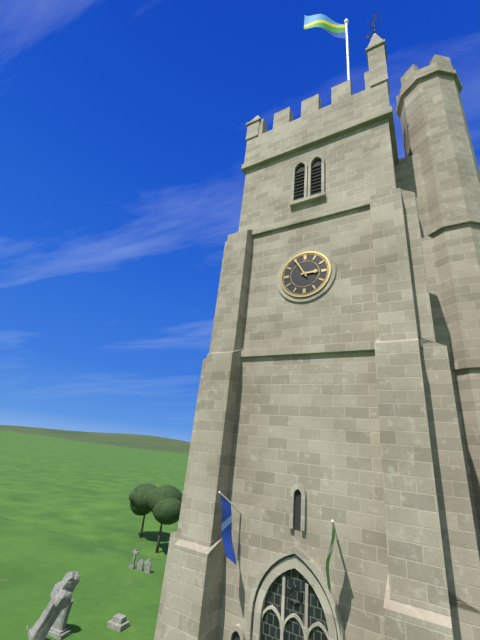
2,55
